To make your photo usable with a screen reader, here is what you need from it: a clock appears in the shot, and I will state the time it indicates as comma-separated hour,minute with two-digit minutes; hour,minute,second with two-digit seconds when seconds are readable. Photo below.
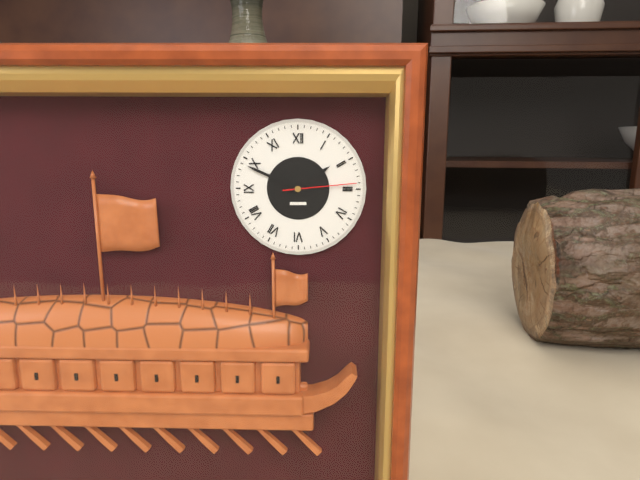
1,49,14
